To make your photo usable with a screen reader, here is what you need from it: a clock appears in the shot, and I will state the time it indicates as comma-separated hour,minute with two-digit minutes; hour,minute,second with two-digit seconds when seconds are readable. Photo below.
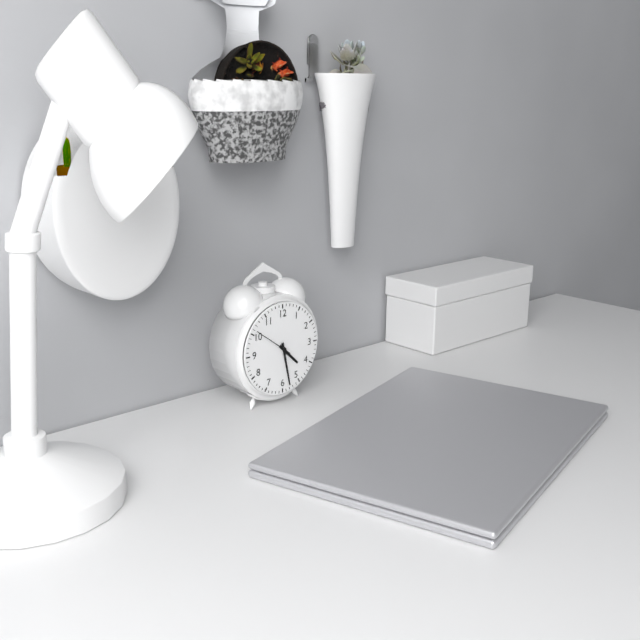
4,28
